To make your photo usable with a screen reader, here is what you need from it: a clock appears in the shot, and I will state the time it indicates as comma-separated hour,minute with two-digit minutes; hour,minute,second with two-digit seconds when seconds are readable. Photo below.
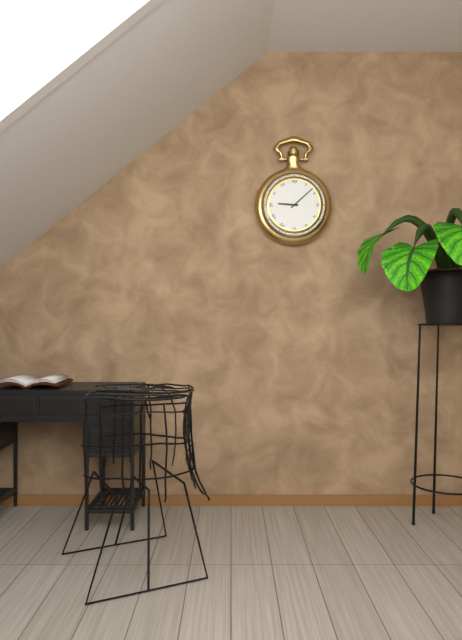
9,08
